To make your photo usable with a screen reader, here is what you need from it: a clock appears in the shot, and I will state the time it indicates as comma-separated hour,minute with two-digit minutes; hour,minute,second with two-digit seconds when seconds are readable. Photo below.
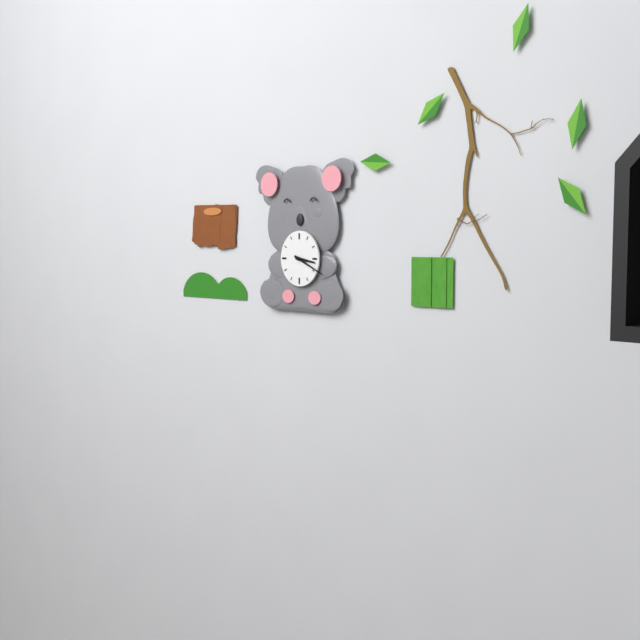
3,19
